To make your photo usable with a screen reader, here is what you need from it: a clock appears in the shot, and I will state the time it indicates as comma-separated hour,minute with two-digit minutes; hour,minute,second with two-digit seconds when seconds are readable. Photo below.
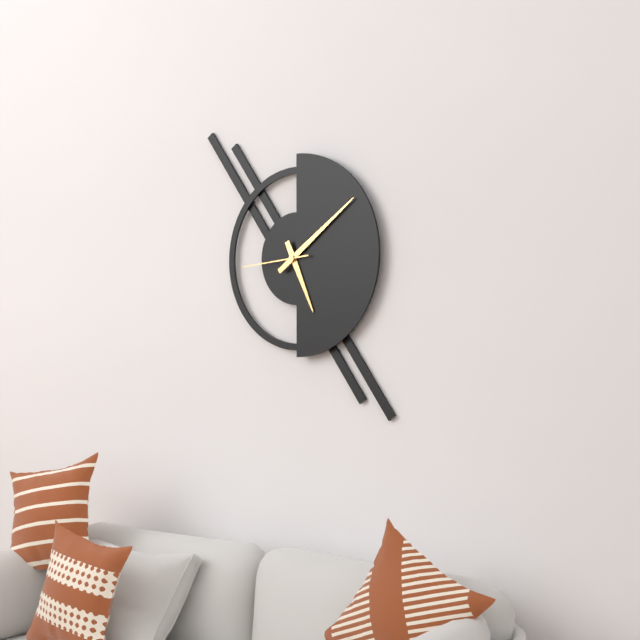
5,09,44
